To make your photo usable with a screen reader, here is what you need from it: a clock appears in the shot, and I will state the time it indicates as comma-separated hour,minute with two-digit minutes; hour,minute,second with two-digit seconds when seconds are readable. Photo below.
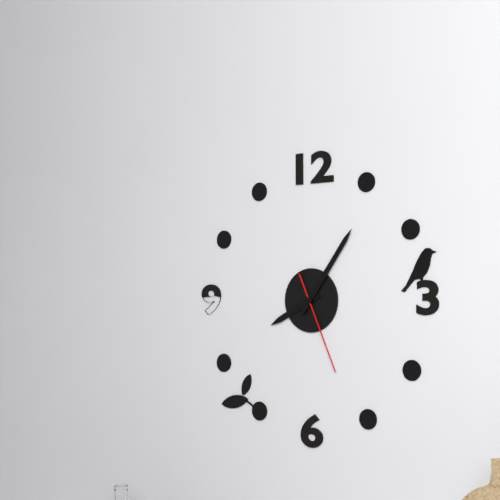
8,06,26
